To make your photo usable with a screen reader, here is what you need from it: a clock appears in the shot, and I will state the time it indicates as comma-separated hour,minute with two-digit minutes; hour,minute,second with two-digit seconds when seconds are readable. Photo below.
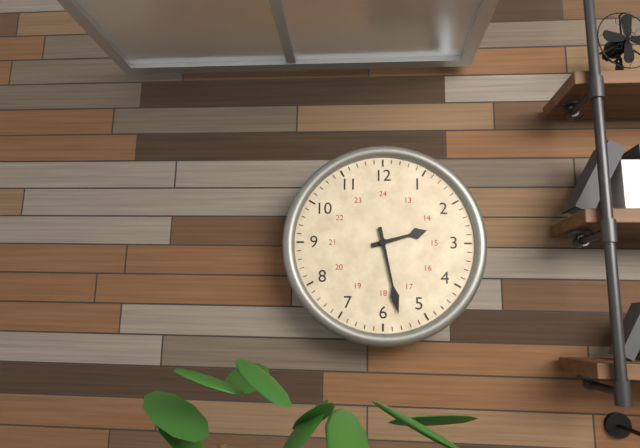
2,28
